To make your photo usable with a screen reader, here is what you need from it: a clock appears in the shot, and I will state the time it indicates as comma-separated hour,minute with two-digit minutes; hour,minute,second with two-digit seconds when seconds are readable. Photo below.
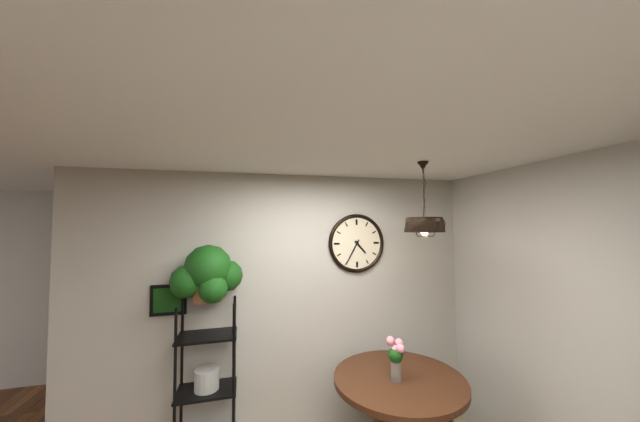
4,35
